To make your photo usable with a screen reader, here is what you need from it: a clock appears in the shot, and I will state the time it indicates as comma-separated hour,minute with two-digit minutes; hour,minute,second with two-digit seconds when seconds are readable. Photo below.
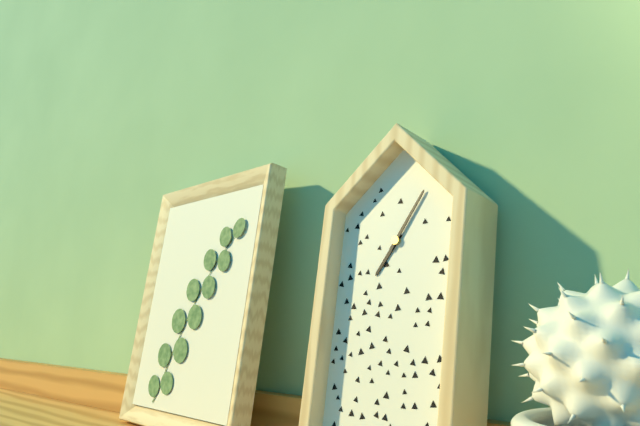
7,05
